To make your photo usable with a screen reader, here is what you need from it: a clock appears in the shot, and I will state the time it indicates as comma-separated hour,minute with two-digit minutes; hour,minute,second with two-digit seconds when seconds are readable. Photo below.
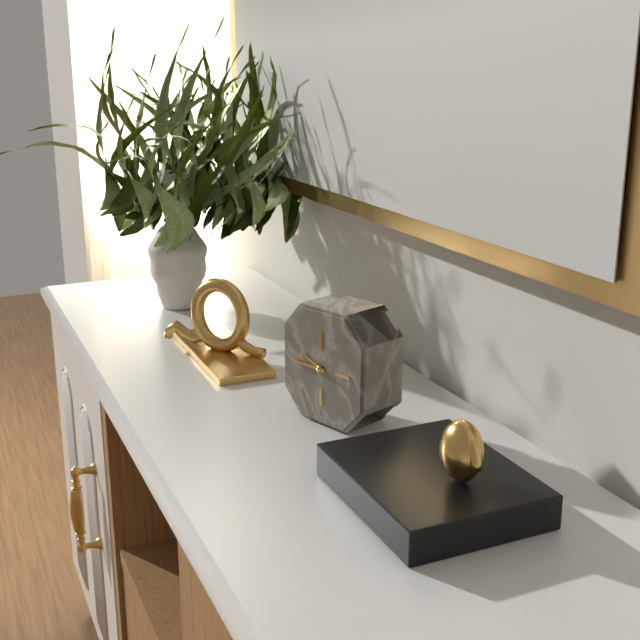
9,45
